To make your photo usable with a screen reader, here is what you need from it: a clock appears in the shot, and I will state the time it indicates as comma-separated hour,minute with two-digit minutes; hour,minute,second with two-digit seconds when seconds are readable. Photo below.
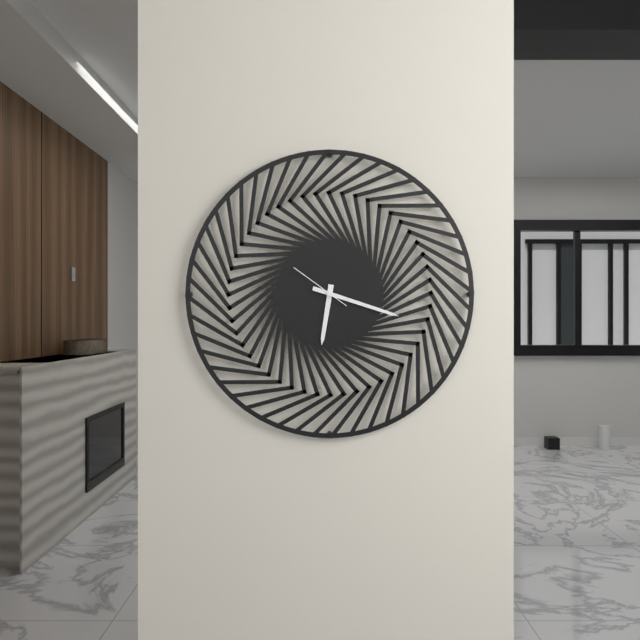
6,18,51
